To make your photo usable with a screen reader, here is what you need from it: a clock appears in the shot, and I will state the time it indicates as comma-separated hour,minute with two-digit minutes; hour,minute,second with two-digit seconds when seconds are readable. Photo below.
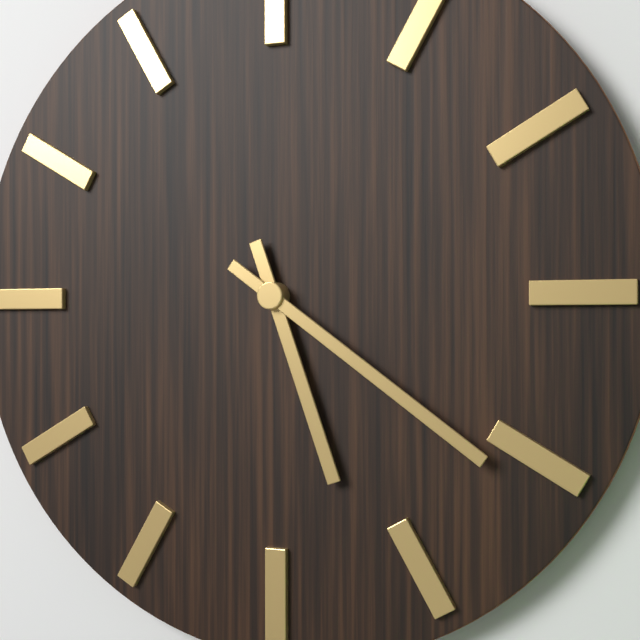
5,21
